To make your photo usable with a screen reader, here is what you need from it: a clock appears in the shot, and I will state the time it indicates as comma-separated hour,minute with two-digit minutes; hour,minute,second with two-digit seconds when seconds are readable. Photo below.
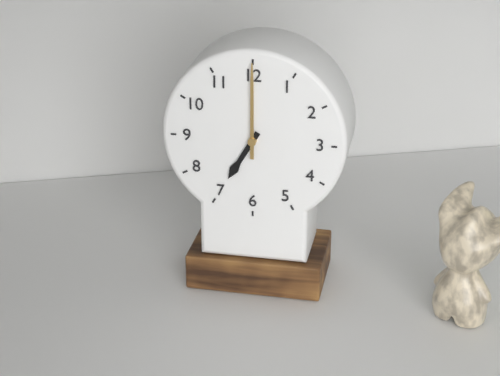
7,00
